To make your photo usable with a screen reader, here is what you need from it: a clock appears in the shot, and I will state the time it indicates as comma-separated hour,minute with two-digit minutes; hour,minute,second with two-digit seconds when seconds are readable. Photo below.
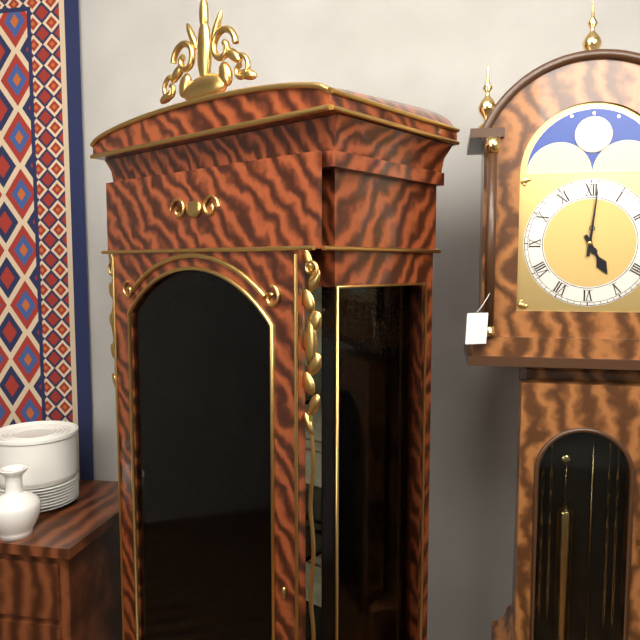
5,01
